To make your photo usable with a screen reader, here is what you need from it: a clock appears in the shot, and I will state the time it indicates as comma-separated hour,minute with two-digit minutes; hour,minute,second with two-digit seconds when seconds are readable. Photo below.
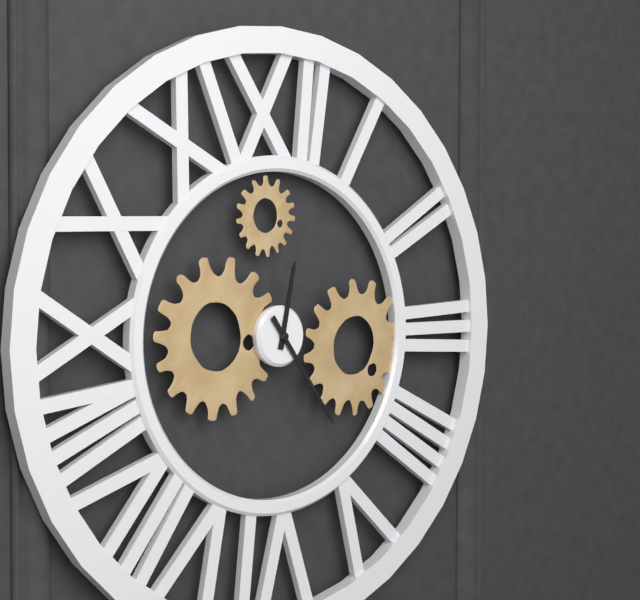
12,24
